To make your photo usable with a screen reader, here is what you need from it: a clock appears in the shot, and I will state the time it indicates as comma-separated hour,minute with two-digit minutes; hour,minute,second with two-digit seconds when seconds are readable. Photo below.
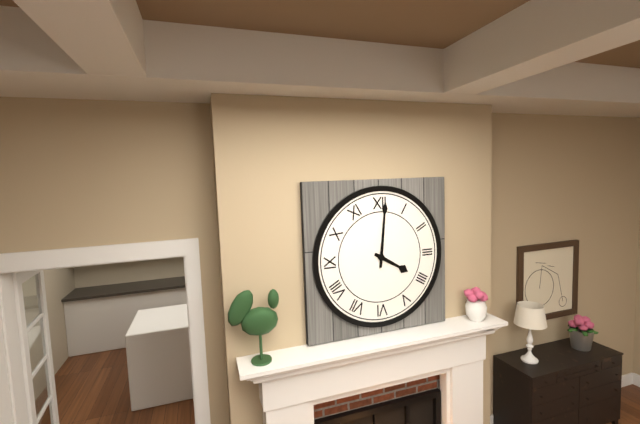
4,01
